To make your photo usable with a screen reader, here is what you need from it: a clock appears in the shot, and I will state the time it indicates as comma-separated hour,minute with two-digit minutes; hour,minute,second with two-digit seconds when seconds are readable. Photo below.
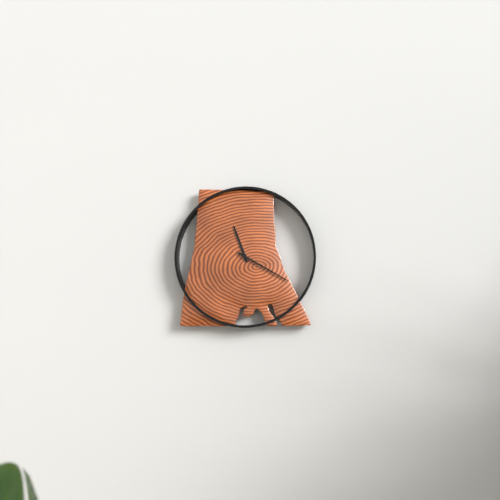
11,20
